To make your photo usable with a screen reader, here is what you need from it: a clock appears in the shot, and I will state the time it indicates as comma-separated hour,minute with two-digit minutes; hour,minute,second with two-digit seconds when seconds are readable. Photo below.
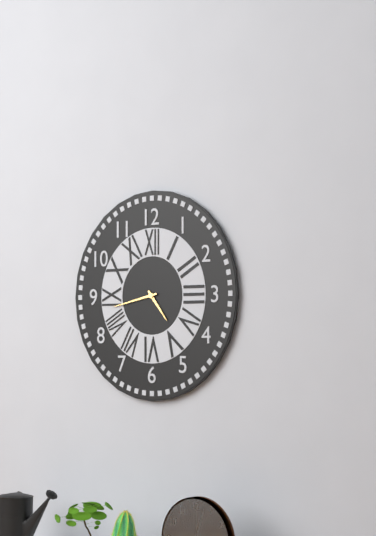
4,43
